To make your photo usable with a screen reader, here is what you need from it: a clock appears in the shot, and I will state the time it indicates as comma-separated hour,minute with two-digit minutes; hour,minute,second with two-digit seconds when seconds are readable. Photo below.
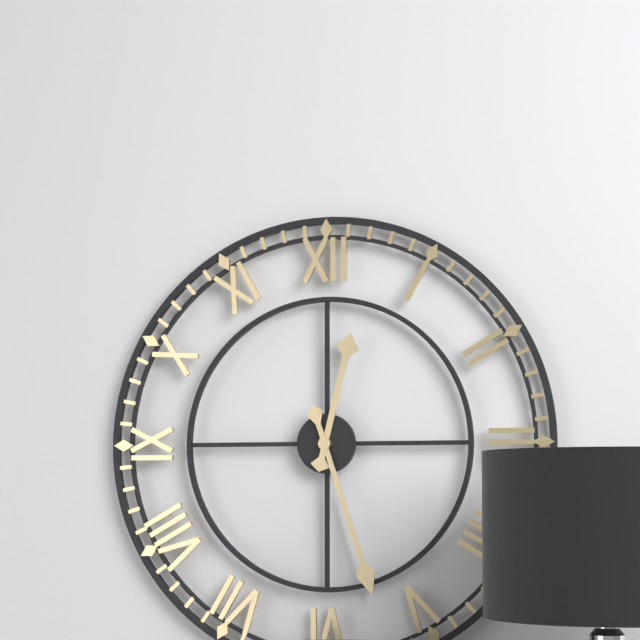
12,27
